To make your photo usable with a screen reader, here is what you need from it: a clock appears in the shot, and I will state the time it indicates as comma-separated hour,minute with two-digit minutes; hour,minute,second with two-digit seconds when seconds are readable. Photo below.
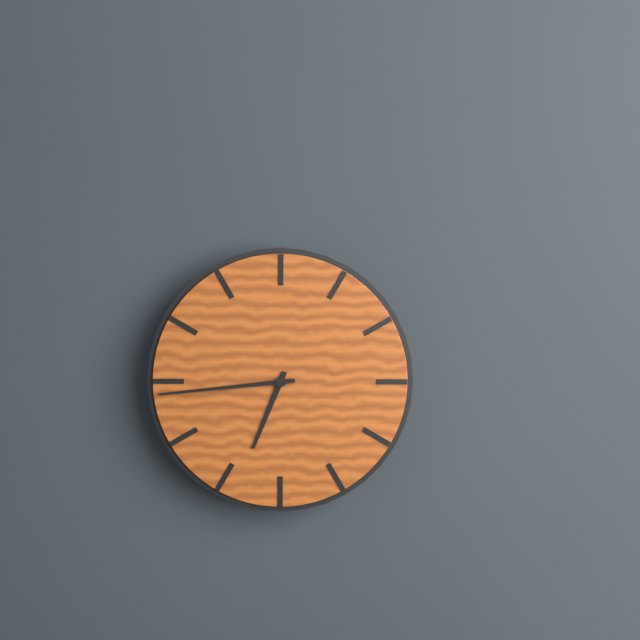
6,44
